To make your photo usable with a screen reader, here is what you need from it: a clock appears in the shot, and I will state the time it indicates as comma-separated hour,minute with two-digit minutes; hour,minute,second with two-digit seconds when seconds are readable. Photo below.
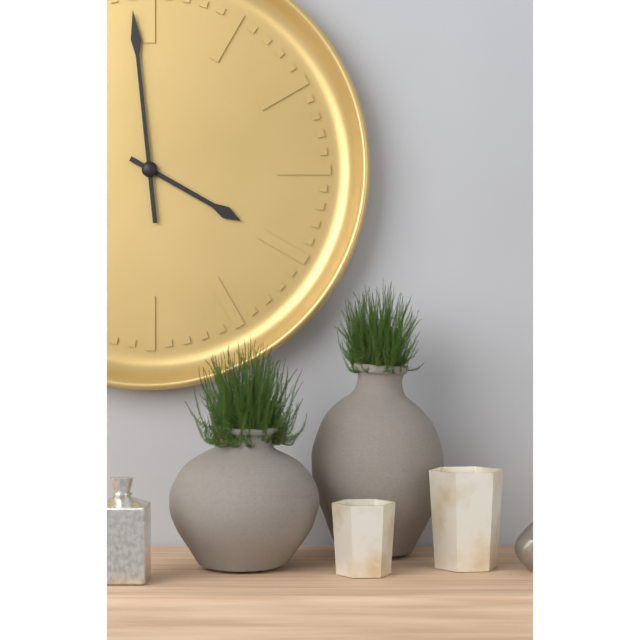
3,59
